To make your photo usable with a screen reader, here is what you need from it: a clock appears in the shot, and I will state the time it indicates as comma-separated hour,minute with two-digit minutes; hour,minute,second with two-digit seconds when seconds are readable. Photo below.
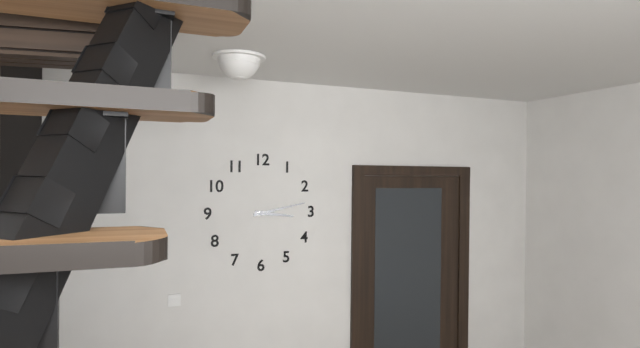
3,13
